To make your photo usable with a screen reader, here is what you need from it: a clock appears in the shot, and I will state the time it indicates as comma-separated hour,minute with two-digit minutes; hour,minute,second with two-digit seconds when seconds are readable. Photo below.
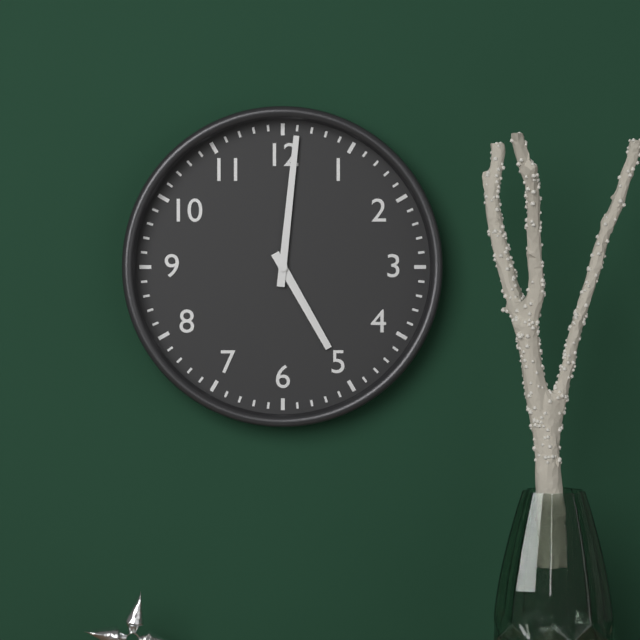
5,01
